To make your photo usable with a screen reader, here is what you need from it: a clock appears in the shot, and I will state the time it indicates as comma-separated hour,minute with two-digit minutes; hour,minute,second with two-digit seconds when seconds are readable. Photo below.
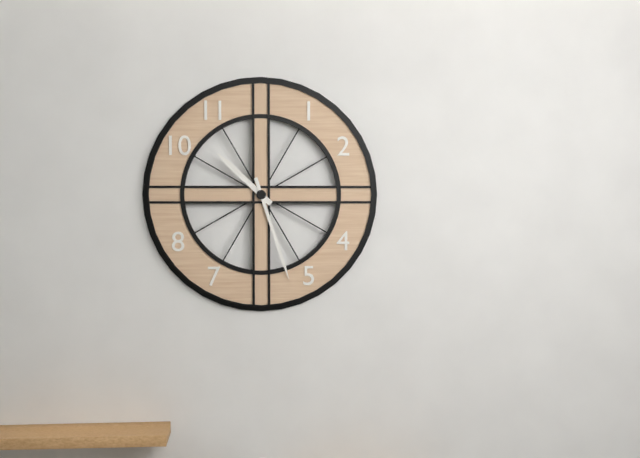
10,27
